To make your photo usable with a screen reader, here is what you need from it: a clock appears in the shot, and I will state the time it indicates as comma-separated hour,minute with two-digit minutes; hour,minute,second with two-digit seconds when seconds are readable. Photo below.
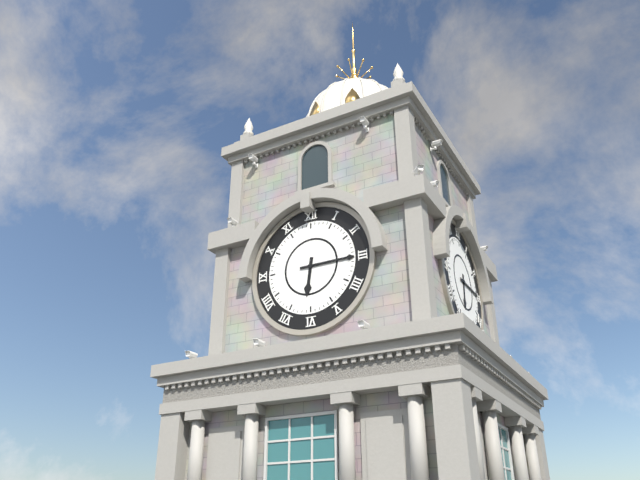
6,15
